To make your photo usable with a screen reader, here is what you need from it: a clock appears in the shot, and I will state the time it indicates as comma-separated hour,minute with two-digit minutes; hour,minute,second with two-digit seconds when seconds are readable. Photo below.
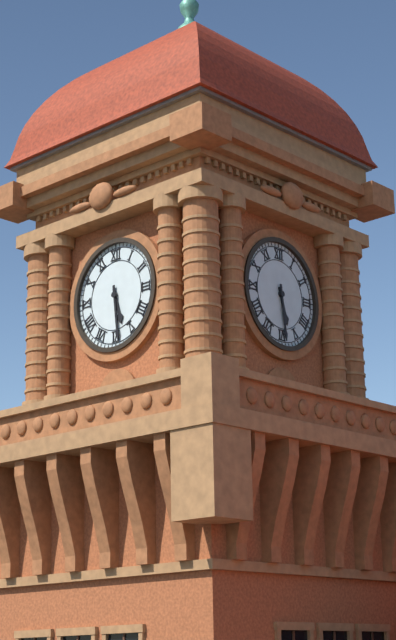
5,29
